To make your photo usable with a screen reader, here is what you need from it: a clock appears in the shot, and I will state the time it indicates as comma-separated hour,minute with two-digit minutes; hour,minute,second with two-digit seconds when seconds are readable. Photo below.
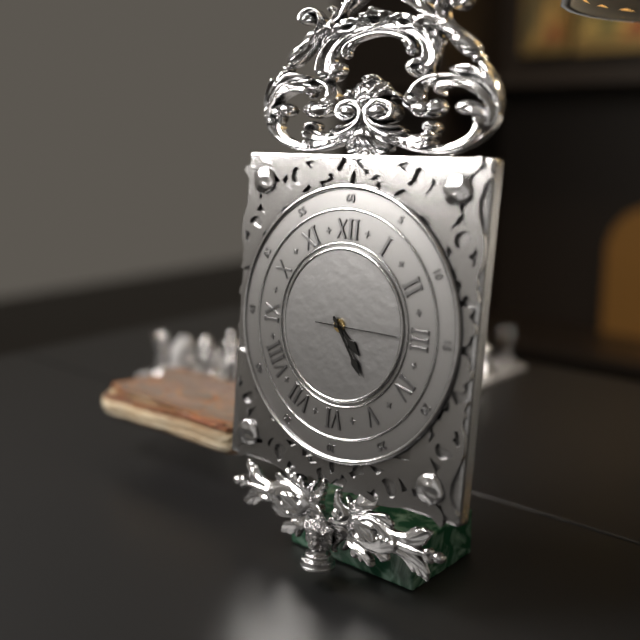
4,24,15
